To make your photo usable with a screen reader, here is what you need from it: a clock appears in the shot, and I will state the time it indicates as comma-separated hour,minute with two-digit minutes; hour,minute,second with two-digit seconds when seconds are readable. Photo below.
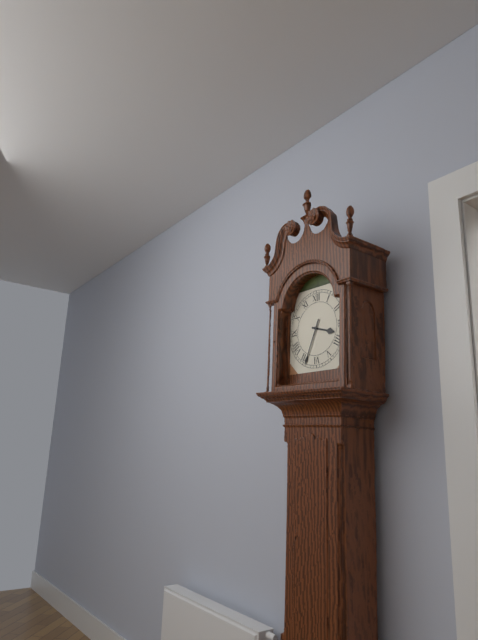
3,34
